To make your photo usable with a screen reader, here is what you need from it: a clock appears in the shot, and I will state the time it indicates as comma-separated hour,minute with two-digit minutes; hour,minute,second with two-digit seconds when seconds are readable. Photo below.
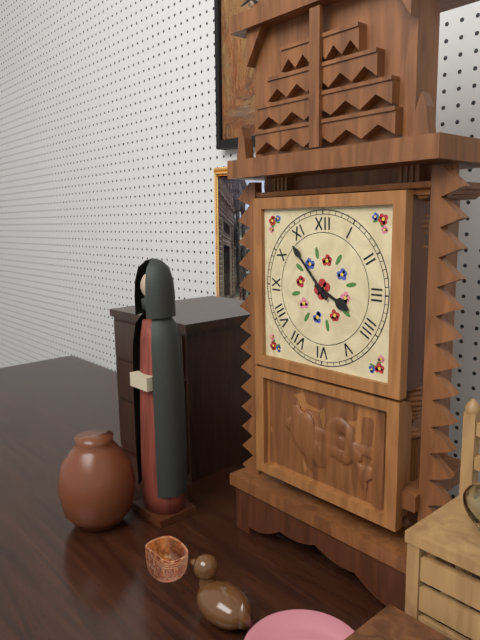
3,53
